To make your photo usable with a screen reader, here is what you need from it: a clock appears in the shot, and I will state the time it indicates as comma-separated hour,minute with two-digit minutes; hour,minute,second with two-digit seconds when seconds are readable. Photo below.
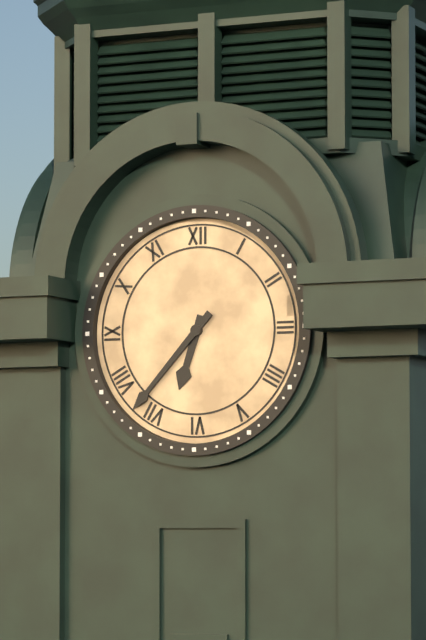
6,37
